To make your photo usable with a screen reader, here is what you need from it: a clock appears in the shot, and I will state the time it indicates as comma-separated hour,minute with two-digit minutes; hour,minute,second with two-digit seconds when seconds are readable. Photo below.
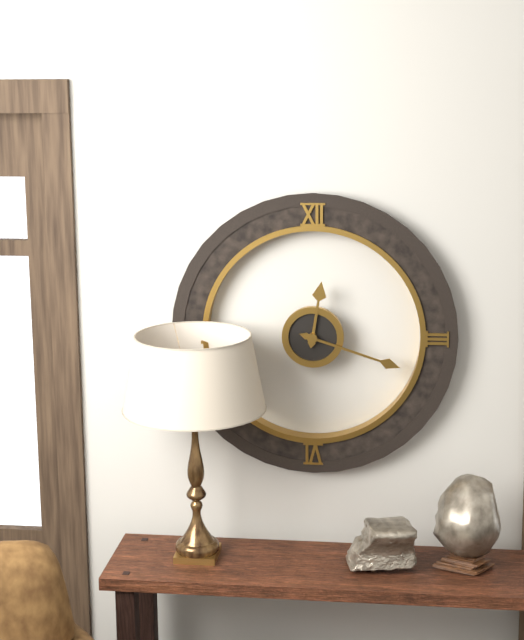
12,18
